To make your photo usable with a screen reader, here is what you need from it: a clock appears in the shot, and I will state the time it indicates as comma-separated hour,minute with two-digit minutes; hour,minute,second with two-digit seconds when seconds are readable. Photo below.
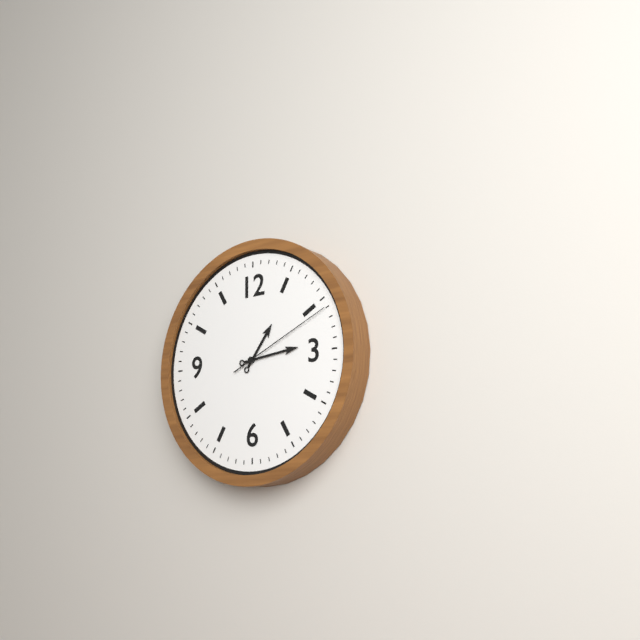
1,14,11
